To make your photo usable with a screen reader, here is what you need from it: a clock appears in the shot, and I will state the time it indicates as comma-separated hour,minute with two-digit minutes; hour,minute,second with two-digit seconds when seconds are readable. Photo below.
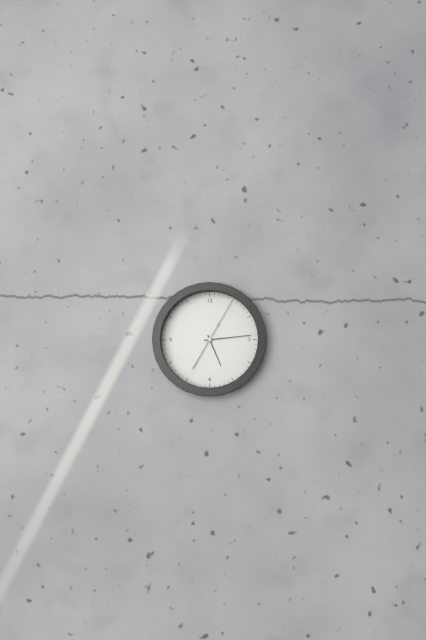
5,14,05
